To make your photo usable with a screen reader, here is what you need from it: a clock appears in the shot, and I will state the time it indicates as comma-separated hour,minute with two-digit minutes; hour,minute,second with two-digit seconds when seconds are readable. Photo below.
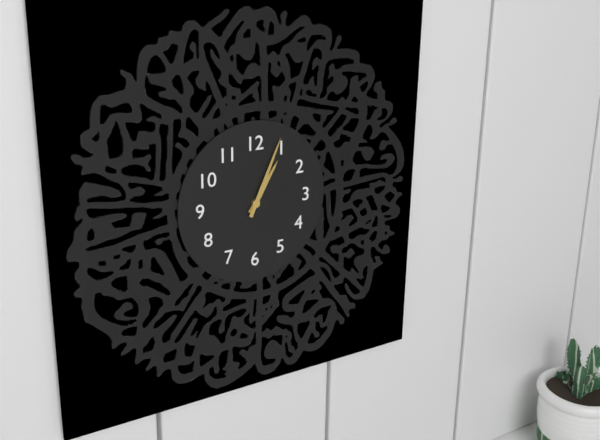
1,04
